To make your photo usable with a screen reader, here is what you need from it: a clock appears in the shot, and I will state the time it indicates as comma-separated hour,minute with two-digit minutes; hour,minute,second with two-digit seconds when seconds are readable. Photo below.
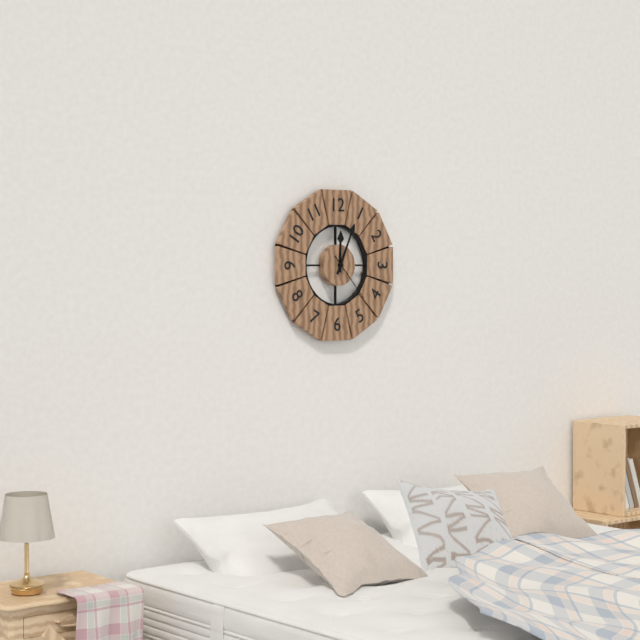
12,04
